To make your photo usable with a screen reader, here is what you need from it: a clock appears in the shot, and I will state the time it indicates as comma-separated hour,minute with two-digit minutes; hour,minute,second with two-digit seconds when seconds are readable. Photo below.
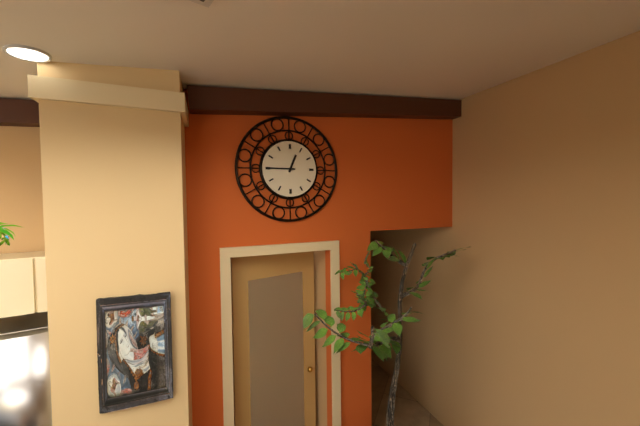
12,45
